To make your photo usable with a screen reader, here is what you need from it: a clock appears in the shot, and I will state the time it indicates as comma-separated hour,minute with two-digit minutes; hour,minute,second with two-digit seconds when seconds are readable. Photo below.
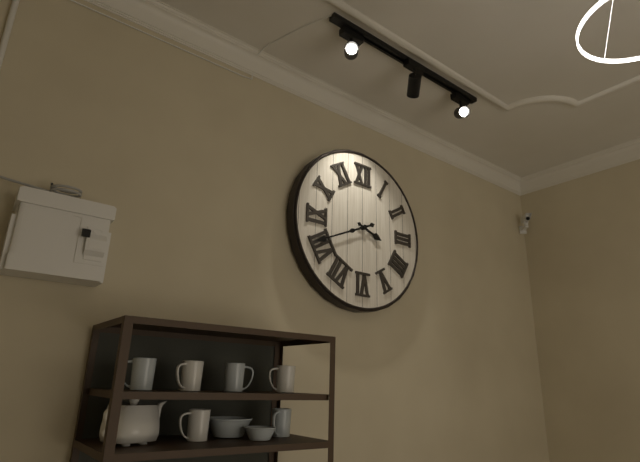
3,41
